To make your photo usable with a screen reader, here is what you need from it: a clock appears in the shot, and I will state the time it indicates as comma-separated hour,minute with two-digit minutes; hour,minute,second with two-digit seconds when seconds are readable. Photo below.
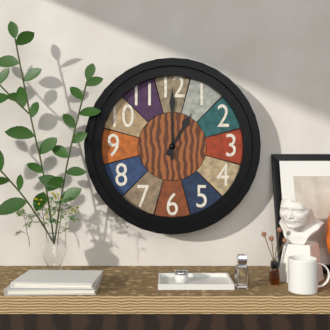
1,00
